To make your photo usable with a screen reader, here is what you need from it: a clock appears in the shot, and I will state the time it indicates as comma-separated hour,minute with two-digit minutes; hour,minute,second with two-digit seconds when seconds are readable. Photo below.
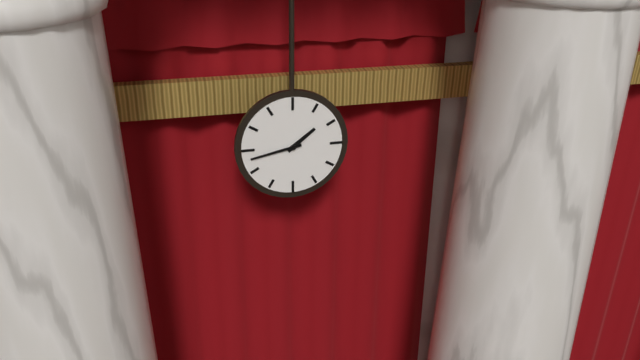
1,43
